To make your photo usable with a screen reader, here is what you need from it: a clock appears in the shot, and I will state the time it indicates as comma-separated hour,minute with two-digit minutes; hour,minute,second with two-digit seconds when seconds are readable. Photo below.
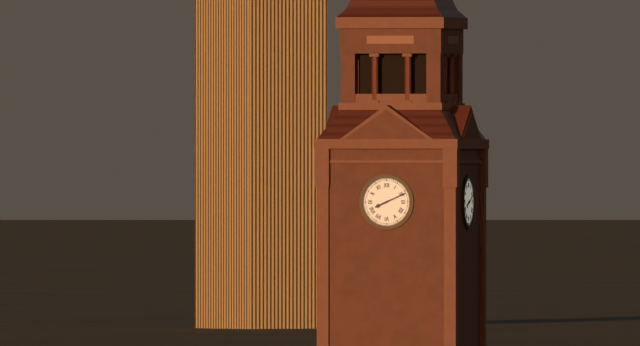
8,11
